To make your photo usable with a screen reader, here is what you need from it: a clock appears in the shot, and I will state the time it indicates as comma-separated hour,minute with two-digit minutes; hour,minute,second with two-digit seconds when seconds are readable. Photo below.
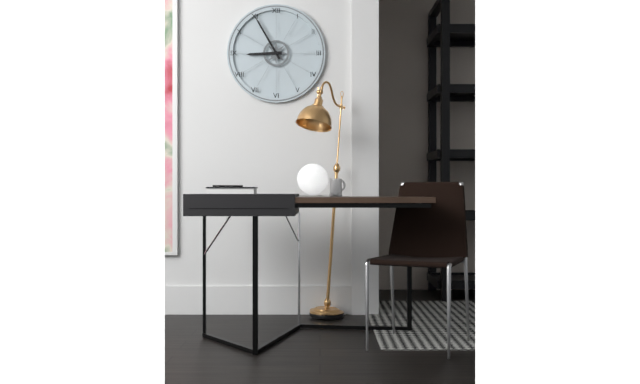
8,55
